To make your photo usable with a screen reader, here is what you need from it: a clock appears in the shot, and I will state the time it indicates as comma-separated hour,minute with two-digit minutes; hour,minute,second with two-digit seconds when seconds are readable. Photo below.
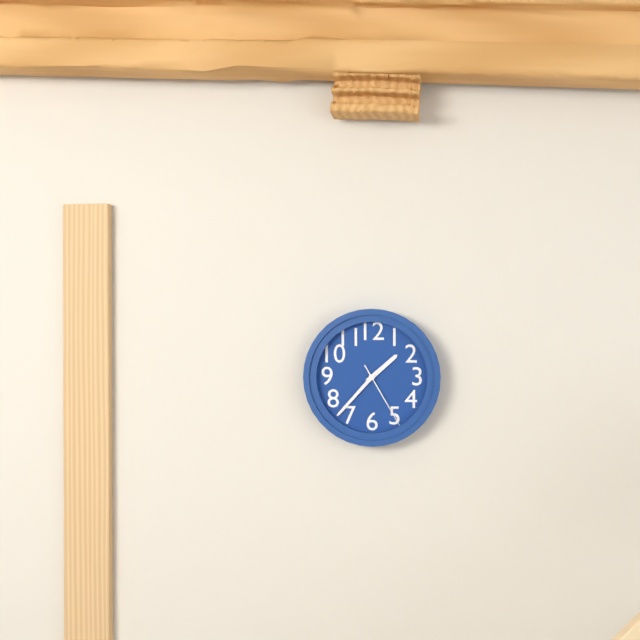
1,37,25
